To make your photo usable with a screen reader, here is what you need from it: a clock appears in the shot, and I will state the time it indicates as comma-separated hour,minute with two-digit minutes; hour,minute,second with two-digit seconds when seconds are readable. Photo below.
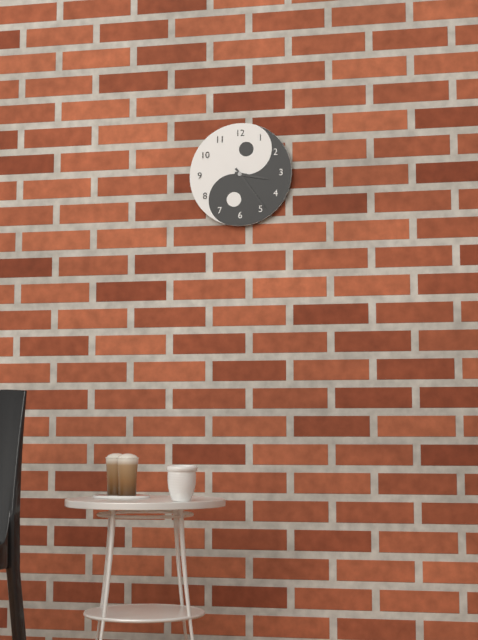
3,24
